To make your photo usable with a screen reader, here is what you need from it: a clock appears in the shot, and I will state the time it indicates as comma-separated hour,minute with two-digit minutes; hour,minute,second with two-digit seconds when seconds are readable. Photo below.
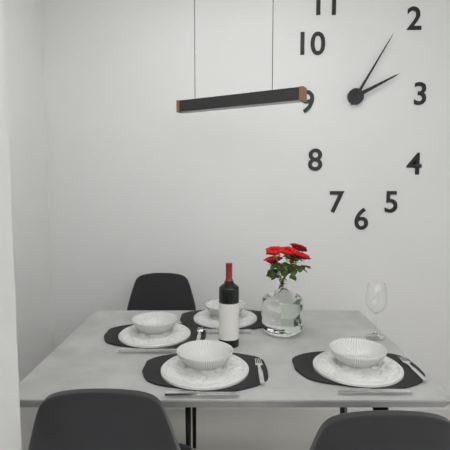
2,05
